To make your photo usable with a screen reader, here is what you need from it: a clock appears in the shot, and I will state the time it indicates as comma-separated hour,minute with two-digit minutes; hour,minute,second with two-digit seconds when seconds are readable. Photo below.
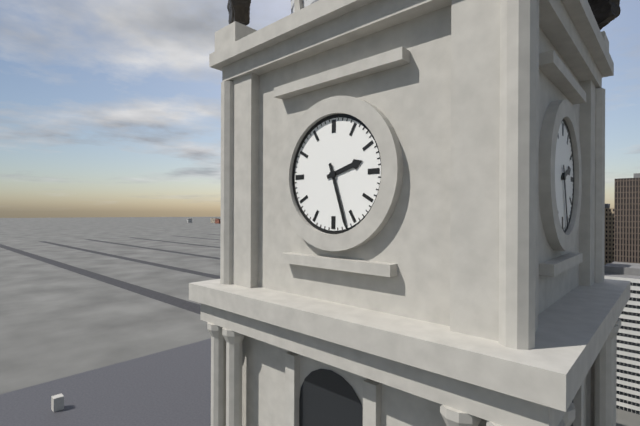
2,27
